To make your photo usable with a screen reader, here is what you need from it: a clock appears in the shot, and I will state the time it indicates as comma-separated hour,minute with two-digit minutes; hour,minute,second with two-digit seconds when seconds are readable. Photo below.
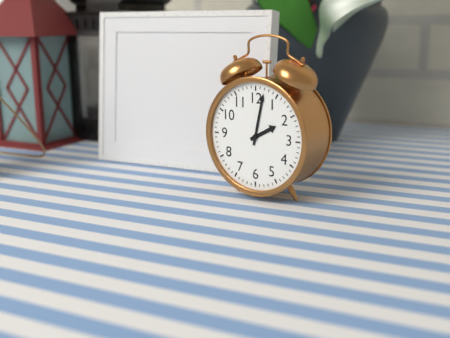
2,02
